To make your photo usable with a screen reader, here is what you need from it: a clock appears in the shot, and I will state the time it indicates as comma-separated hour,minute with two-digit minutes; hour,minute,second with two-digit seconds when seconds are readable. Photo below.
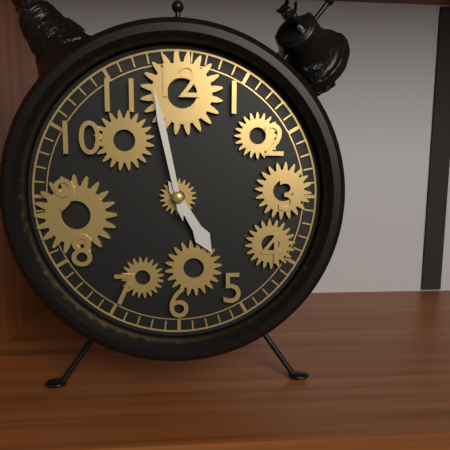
4,58
